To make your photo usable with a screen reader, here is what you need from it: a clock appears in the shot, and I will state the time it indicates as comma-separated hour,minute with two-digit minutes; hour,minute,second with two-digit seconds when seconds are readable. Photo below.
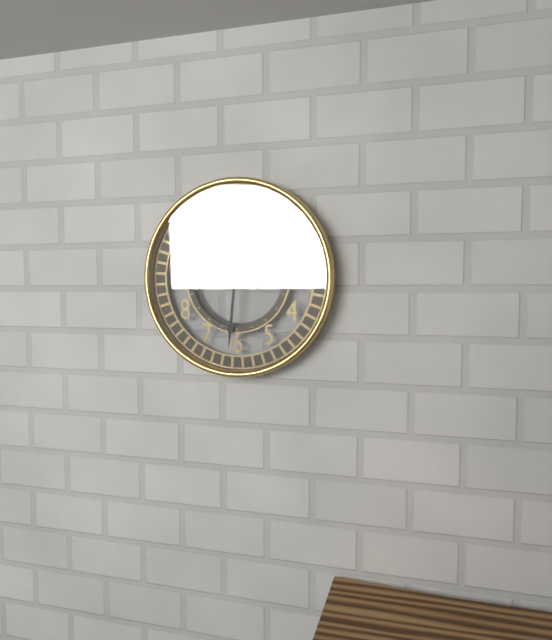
3,31
